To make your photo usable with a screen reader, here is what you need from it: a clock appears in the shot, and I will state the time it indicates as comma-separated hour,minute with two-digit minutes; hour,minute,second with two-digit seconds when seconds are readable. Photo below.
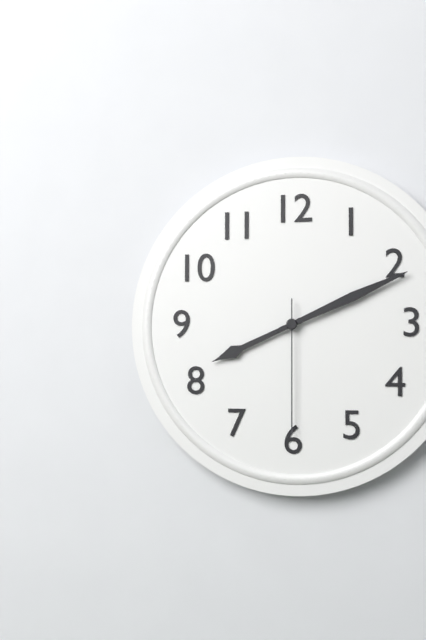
8,11,30
